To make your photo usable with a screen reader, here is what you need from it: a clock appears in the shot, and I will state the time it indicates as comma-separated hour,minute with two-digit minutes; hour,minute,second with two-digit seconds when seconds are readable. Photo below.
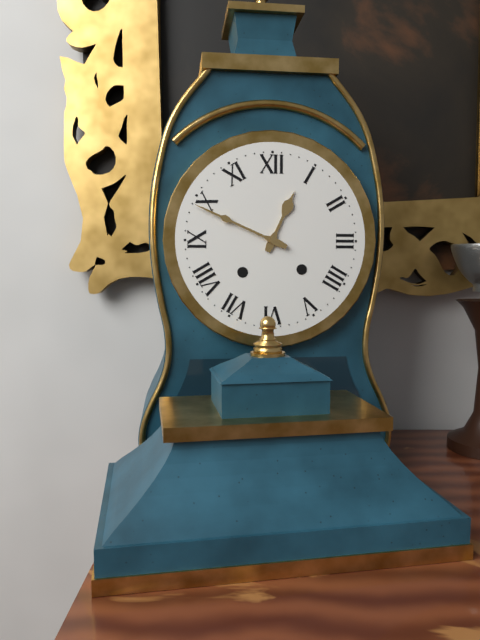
12,49
